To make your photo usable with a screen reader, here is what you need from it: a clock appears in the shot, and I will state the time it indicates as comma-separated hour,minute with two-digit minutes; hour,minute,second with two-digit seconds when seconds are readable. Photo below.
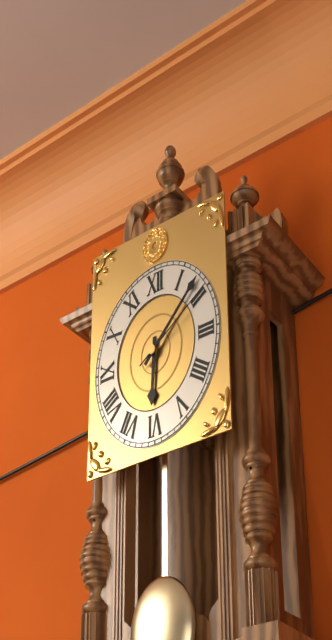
6,08,10
